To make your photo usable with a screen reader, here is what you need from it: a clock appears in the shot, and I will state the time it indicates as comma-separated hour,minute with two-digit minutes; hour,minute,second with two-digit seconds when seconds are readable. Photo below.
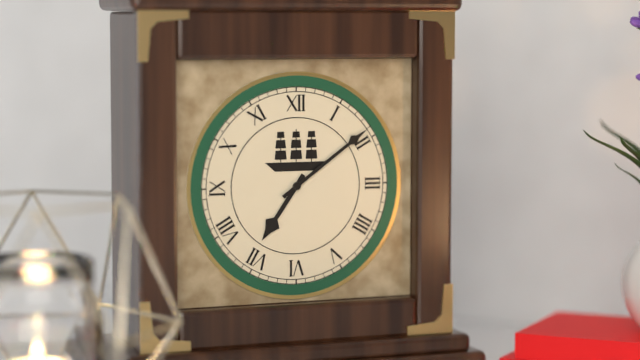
7,09
